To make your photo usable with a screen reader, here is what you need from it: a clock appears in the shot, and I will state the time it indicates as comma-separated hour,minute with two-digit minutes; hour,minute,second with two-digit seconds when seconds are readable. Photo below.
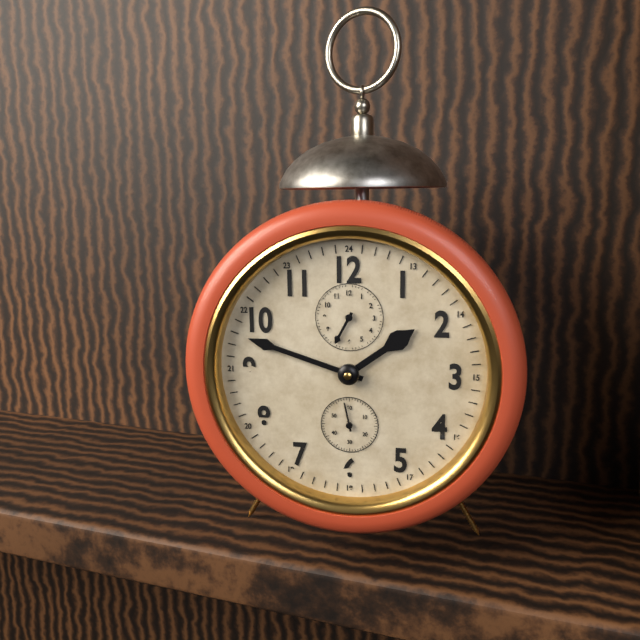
1,48
